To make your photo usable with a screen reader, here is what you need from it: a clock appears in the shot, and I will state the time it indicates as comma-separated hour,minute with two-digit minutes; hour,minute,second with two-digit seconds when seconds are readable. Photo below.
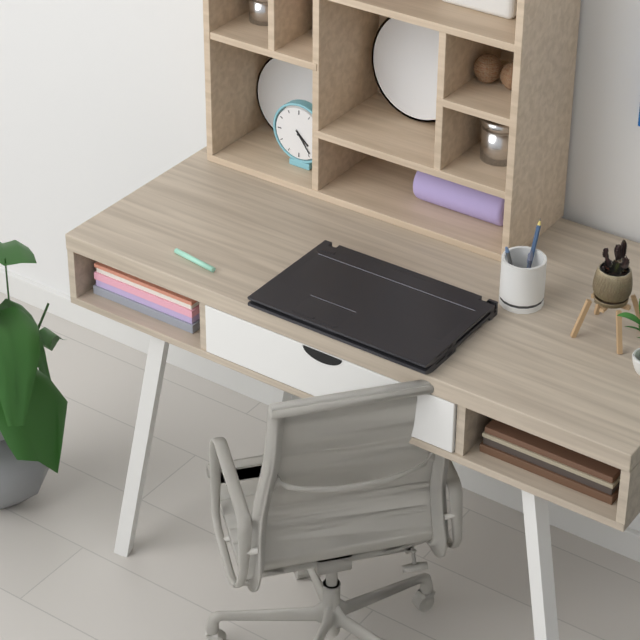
4,24
